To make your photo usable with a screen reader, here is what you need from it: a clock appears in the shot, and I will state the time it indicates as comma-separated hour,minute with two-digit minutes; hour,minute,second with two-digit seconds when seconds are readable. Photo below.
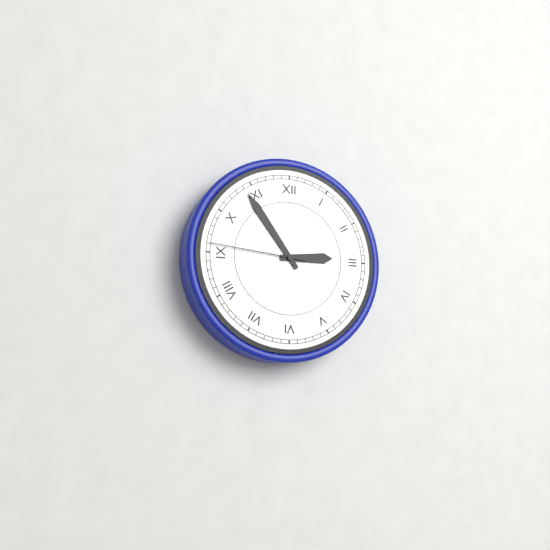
2,54,46
